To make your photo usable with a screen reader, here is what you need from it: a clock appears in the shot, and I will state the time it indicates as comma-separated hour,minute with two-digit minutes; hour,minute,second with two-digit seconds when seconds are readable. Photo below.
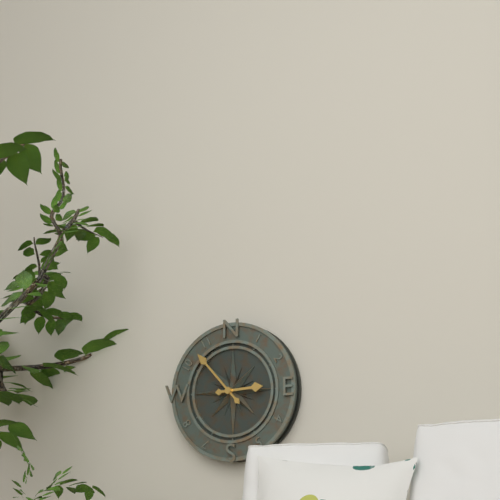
2,53
